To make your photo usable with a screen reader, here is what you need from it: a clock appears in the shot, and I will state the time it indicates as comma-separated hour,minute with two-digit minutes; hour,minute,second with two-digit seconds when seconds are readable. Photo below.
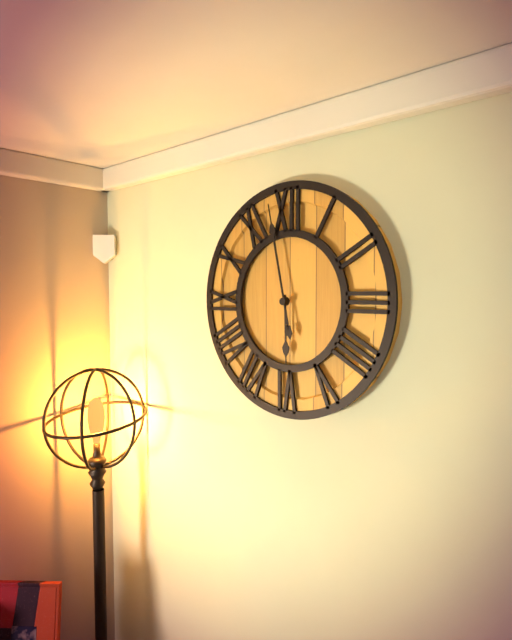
5,58
